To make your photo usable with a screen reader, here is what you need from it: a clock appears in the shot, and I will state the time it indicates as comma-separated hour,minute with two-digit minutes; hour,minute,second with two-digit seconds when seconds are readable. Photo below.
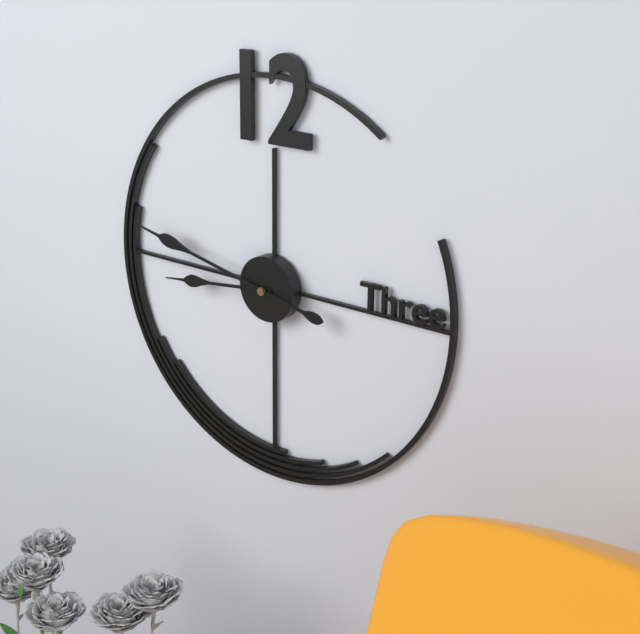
8,47
